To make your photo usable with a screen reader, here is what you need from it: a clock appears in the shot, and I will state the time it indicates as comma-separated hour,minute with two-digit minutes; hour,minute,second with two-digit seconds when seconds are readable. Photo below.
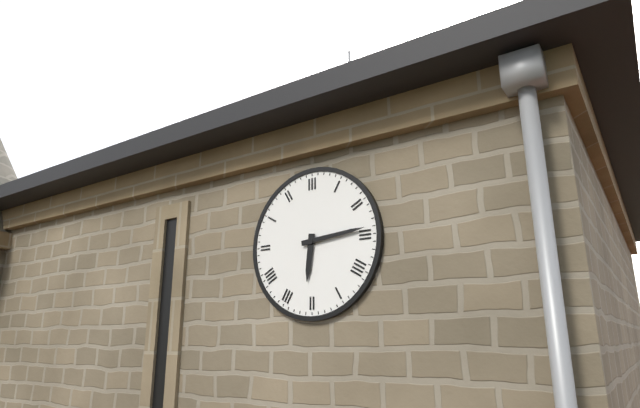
6,14
